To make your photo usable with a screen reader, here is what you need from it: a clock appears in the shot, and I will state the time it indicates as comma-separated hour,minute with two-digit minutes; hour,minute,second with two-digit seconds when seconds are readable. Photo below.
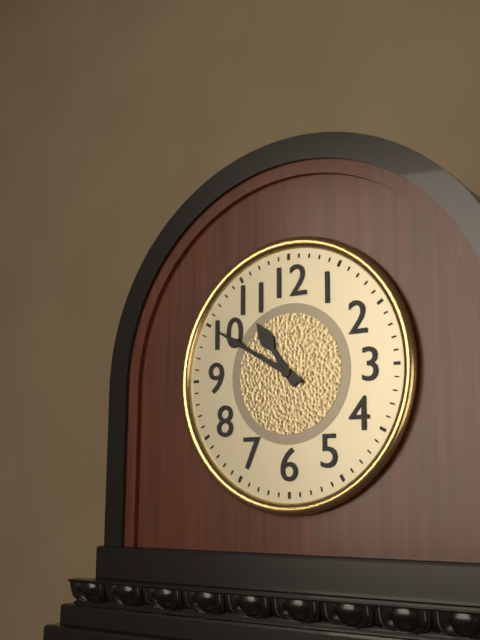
10,50
